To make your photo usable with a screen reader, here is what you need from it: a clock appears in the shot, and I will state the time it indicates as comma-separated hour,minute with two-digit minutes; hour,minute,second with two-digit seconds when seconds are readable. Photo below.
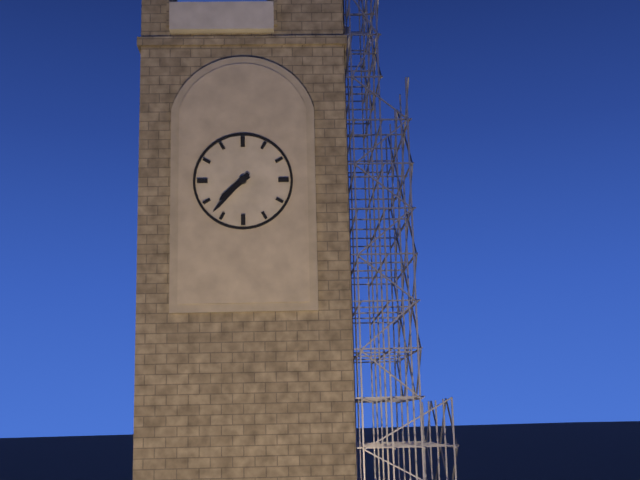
7,37
